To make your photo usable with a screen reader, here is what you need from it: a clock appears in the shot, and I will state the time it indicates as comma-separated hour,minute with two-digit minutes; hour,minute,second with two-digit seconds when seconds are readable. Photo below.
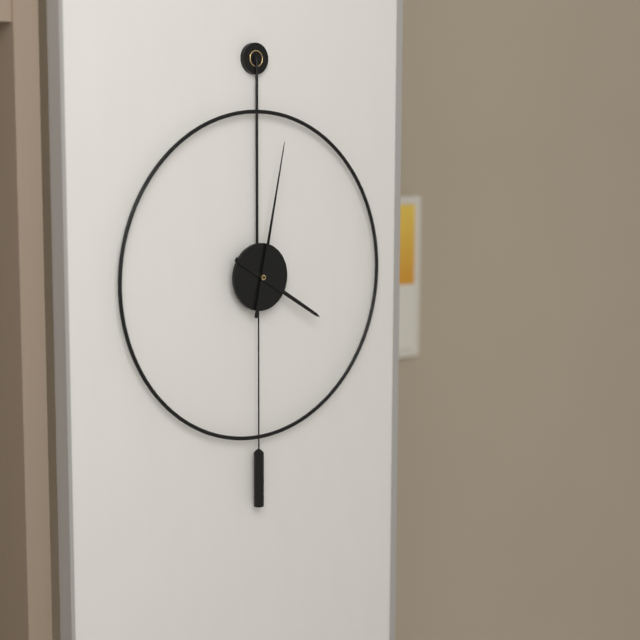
4,02
